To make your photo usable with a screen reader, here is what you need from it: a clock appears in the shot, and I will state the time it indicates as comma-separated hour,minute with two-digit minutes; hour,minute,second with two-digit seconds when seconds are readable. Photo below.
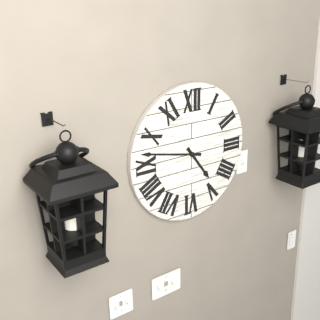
4,47
